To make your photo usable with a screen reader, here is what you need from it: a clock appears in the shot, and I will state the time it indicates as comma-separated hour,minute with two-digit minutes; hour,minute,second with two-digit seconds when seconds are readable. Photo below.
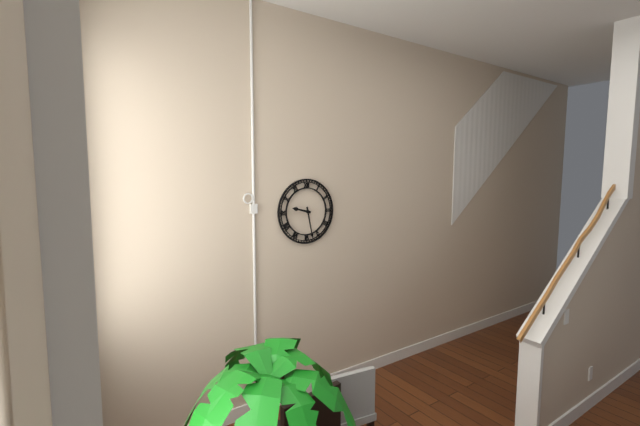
9,28
